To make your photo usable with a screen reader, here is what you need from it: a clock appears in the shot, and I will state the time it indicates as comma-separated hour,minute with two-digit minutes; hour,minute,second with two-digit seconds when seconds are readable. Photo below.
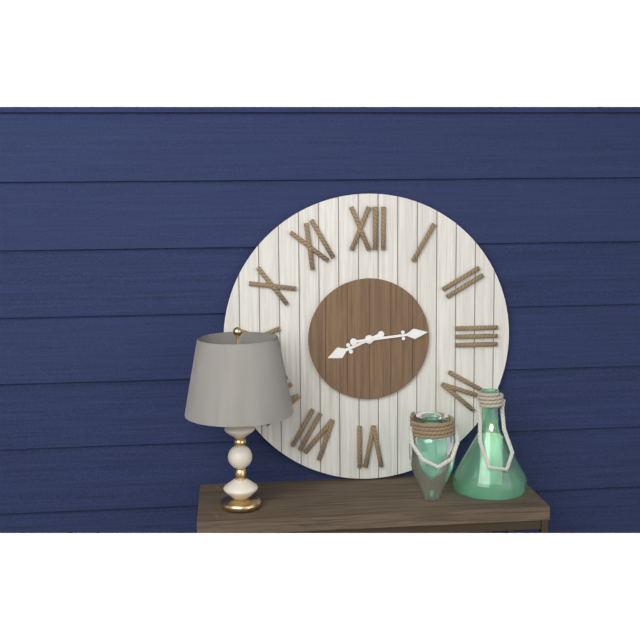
8,14
